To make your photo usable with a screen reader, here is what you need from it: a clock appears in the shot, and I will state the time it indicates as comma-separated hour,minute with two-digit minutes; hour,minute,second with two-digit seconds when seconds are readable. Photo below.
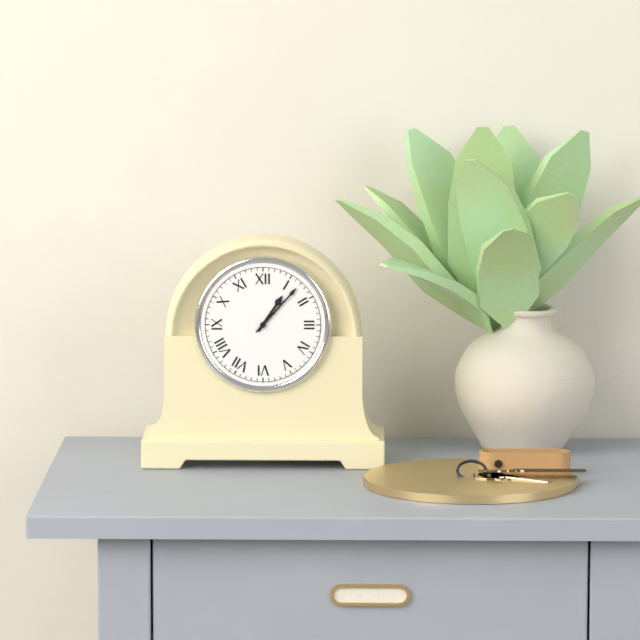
1,07
